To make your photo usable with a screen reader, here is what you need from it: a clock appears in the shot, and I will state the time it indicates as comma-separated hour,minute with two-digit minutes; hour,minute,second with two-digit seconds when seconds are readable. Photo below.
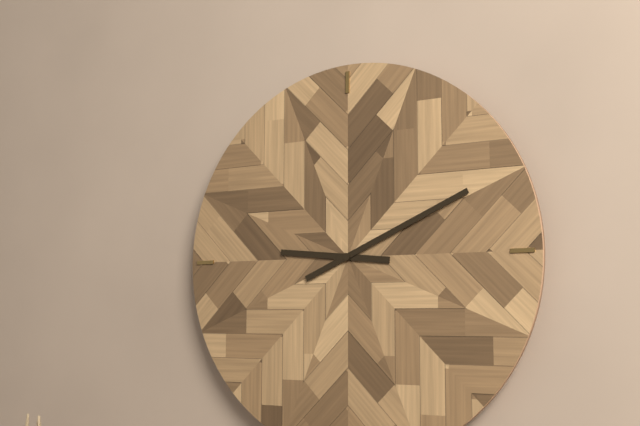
9,11
